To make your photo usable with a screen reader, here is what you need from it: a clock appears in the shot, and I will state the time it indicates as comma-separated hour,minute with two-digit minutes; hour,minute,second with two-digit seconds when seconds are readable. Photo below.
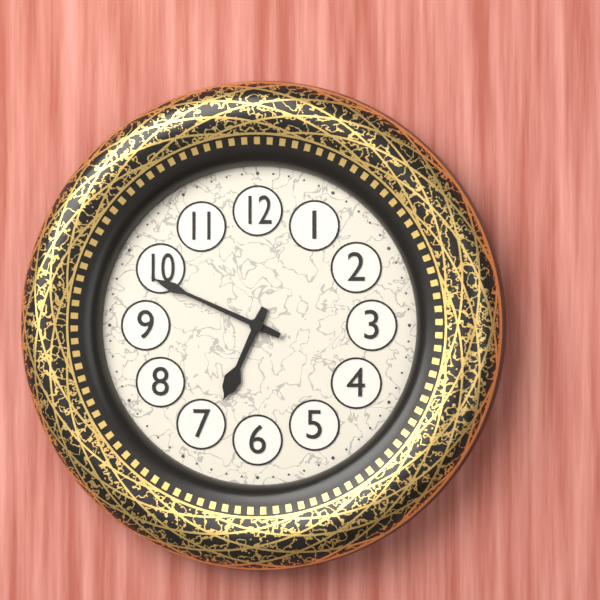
6,49
